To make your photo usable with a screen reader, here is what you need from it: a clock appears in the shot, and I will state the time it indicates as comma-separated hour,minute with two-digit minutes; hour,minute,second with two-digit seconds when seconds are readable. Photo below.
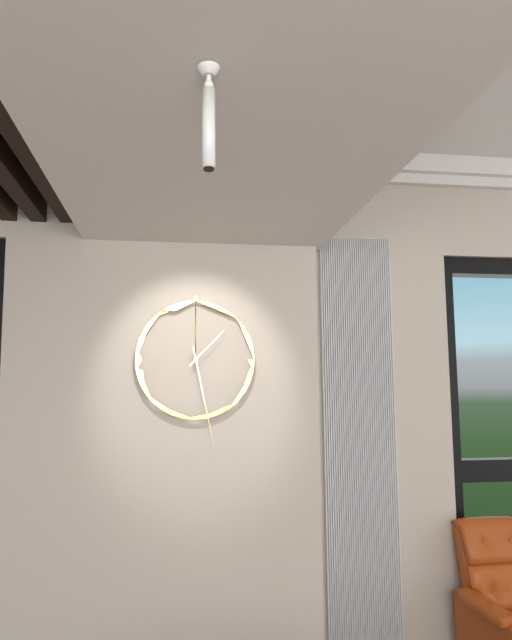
1,28
